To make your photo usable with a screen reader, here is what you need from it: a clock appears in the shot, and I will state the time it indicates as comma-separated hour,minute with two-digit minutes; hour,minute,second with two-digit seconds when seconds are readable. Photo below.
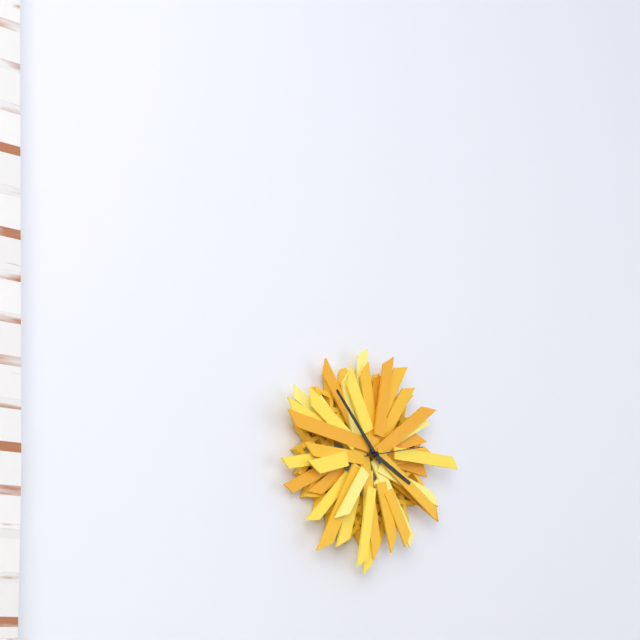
3,53,13
